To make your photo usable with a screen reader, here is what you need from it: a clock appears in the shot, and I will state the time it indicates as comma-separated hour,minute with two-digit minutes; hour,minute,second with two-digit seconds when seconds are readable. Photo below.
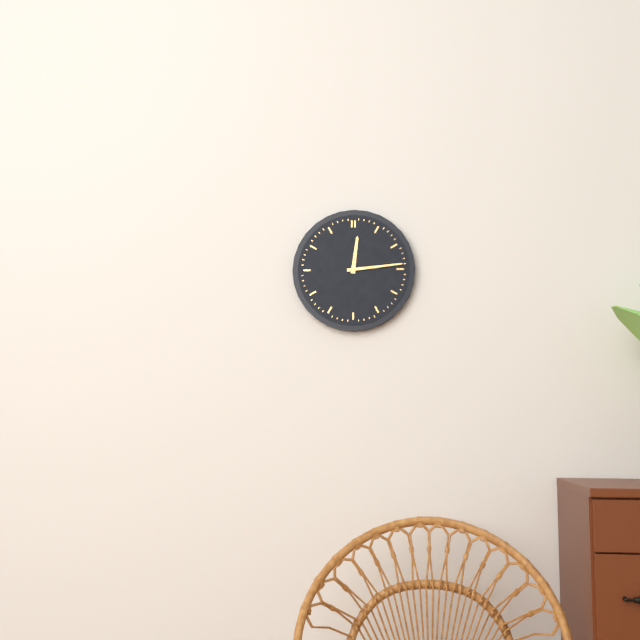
12,14
